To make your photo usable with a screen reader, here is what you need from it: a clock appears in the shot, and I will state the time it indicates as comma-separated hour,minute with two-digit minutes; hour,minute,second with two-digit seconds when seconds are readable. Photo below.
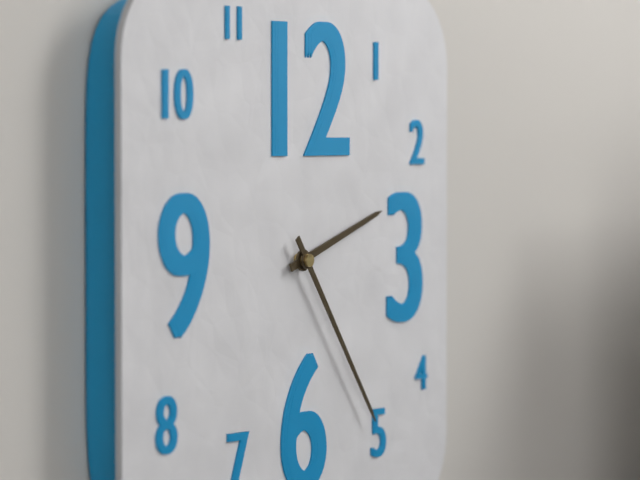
2,24
